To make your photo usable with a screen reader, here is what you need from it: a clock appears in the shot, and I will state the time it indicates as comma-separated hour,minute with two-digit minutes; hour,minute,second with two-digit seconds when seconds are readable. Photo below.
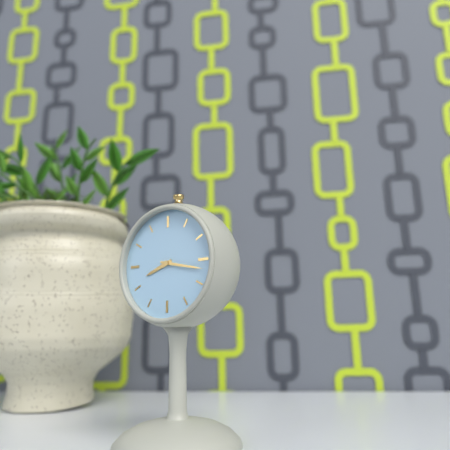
8,17
